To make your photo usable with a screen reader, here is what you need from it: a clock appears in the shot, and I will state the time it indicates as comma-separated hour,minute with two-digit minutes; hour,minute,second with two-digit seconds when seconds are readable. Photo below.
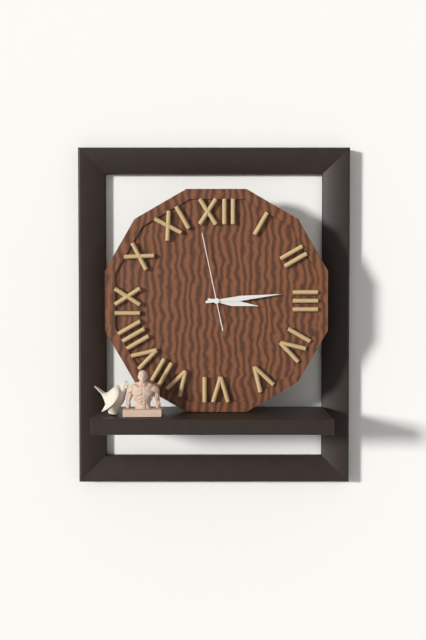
3,14,58
